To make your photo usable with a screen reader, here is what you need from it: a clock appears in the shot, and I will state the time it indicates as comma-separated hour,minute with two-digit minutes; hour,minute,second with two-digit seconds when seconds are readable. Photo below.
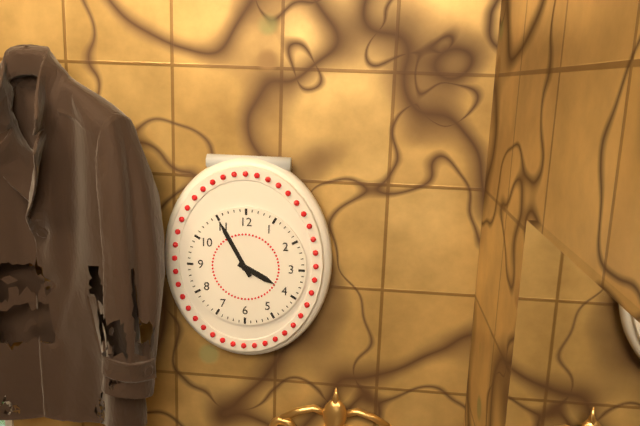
3,55
